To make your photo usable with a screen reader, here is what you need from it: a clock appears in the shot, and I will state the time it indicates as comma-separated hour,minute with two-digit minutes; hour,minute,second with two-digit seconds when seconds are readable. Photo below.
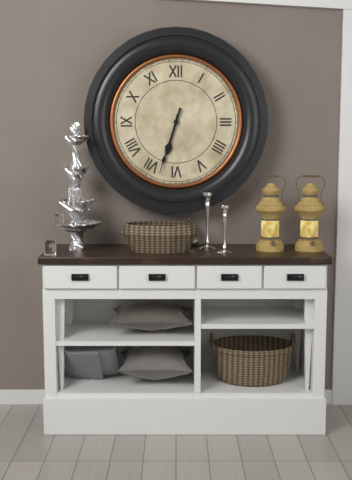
6,33
